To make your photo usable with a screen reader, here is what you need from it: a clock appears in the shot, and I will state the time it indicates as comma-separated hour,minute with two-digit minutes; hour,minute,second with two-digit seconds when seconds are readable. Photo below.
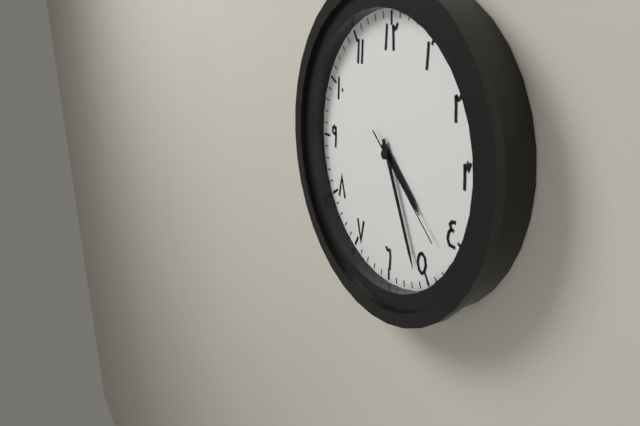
4,26,22
